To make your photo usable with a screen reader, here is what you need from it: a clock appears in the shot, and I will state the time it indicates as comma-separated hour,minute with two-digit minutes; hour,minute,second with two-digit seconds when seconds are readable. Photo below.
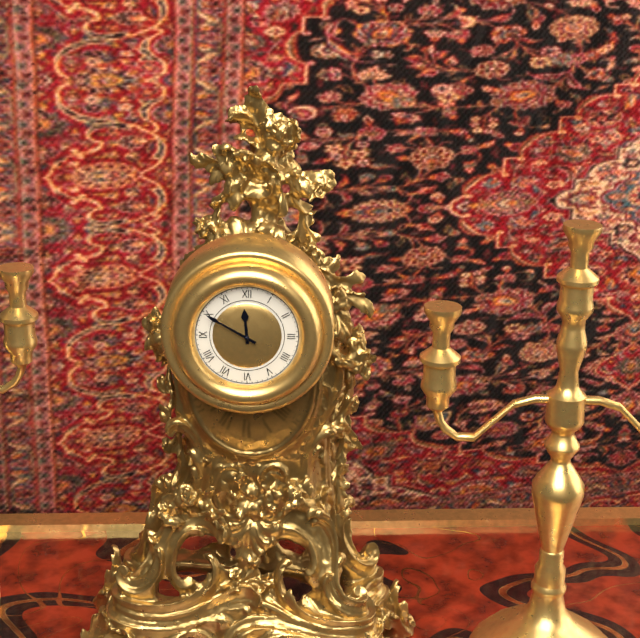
11,50
